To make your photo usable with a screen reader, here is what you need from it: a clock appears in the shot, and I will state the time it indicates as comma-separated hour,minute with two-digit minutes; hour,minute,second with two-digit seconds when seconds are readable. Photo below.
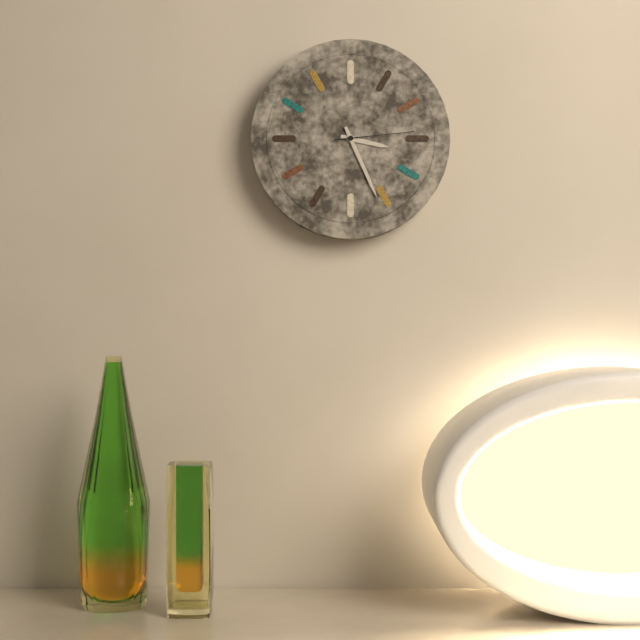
3,26,14
